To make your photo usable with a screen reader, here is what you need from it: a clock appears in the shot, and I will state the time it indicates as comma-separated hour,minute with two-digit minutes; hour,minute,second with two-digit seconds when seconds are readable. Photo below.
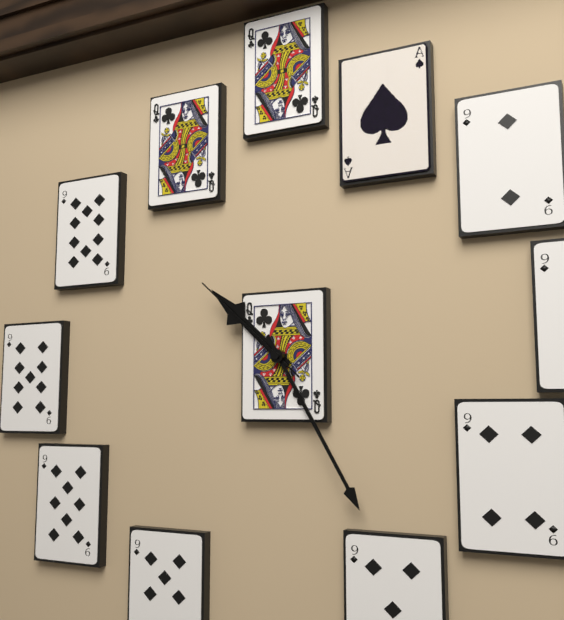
10,25,52
